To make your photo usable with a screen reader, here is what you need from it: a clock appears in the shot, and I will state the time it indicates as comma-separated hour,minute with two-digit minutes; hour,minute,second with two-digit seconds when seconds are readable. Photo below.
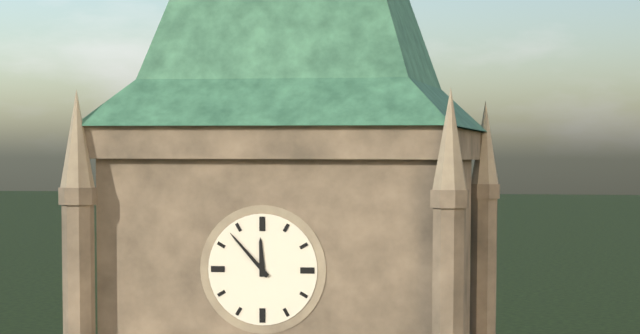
11,53
